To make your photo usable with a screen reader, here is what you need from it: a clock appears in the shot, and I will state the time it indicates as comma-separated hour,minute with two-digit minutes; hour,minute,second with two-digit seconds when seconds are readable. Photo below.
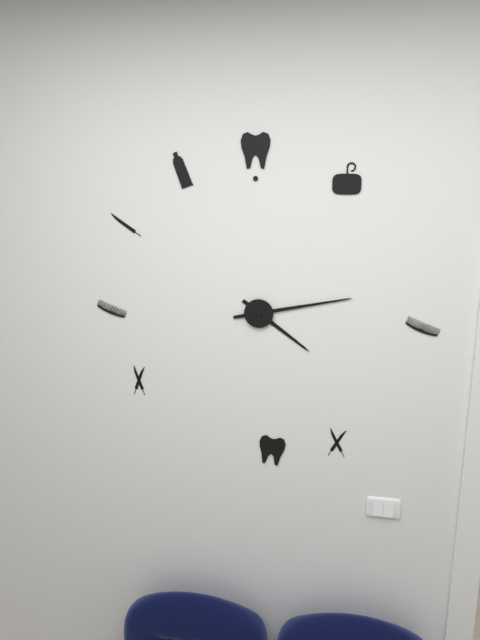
4,13
